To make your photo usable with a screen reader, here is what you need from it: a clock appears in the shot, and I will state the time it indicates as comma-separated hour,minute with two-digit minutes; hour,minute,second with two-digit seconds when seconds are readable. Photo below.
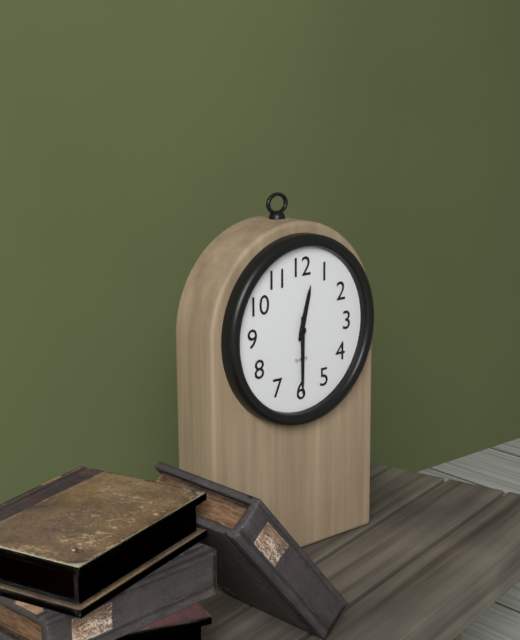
12,30
